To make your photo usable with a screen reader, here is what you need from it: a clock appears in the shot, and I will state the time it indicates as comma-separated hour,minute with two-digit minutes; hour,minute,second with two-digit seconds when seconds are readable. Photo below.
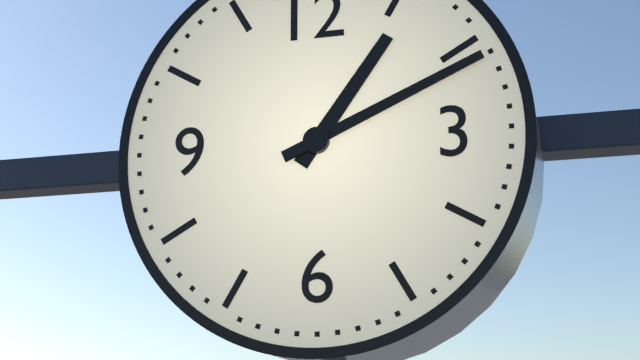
1,11
